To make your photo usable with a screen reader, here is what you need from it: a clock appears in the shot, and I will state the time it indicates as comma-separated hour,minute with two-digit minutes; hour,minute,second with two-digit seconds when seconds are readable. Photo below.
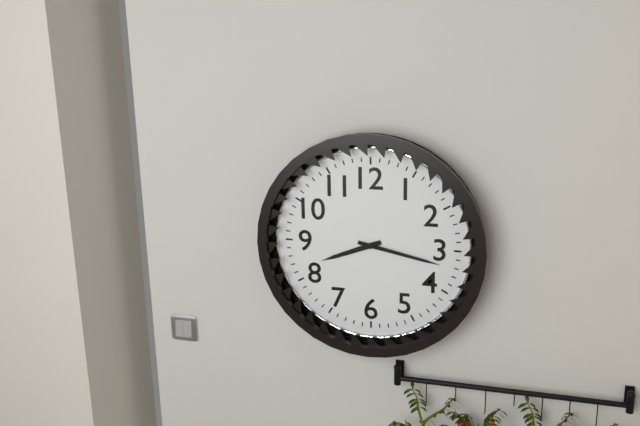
8,17
